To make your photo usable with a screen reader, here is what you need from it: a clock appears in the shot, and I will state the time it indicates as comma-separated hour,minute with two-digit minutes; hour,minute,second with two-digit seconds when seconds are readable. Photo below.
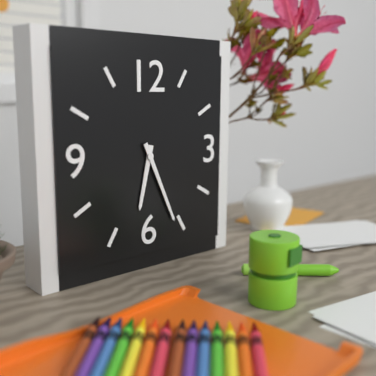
6,26
